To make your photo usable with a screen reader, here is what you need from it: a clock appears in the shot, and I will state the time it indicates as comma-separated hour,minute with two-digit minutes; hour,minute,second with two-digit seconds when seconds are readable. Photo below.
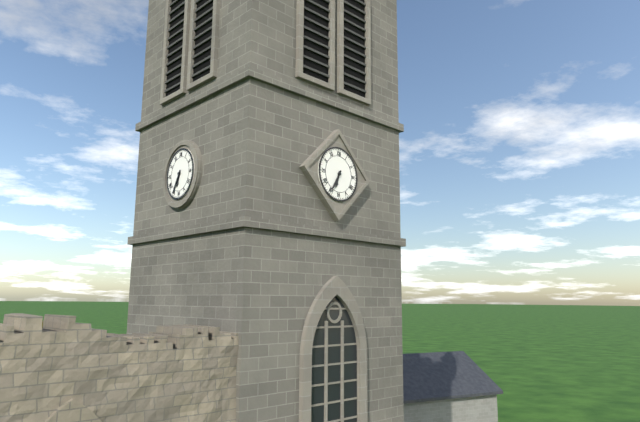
6,35
